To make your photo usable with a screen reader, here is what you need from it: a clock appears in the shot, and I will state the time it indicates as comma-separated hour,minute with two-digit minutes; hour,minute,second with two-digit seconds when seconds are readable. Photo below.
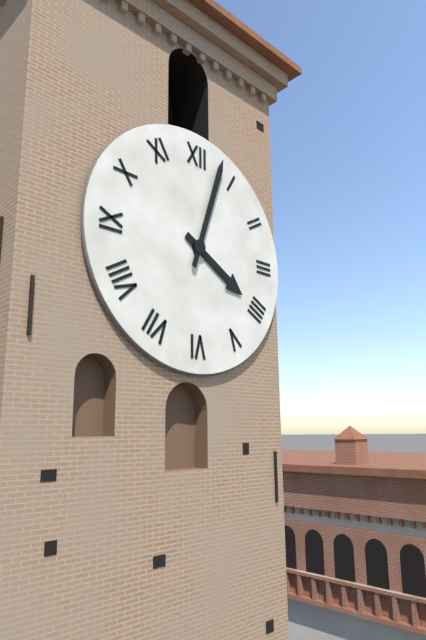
4,03
